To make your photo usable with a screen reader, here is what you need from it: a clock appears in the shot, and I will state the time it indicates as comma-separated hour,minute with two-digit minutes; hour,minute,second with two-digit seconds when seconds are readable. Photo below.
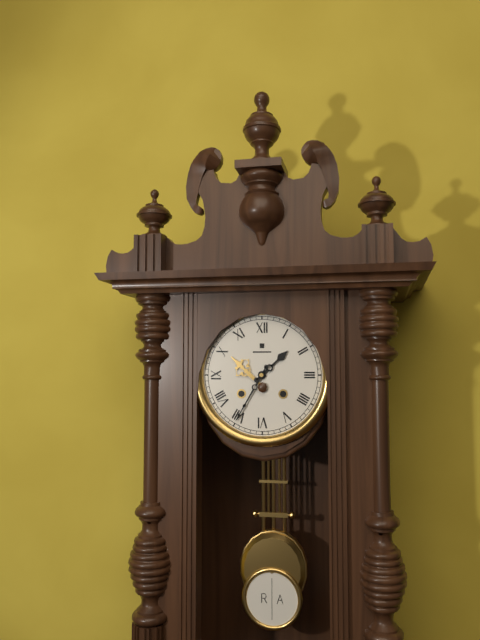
1,35
